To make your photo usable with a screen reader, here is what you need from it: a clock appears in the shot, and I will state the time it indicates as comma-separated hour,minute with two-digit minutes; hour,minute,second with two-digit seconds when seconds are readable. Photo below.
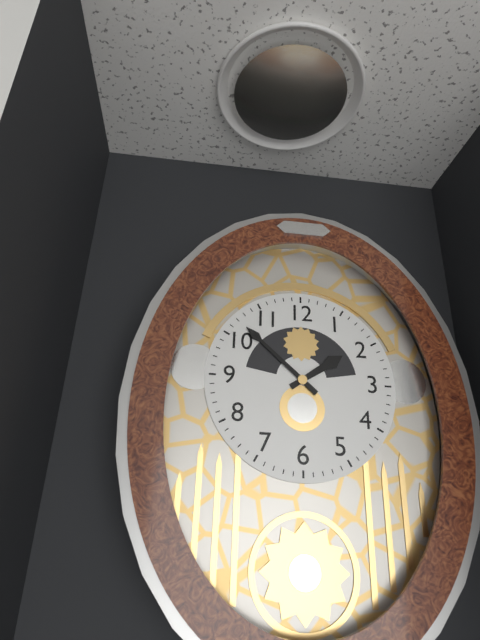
1,52
